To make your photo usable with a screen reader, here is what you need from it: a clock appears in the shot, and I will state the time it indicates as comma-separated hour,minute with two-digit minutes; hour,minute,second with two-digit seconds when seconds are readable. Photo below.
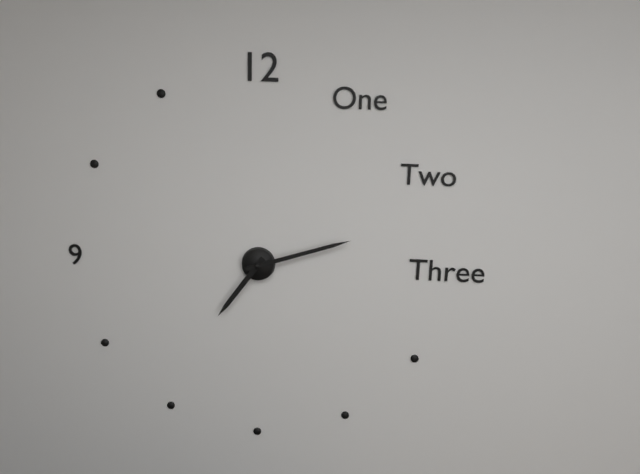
7,12
